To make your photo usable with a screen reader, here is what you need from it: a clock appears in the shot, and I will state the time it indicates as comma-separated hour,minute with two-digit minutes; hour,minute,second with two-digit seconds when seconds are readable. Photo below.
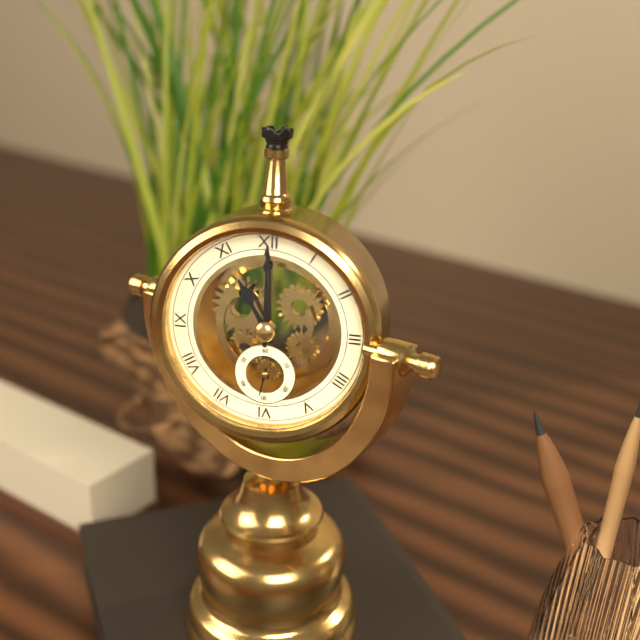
11,00
